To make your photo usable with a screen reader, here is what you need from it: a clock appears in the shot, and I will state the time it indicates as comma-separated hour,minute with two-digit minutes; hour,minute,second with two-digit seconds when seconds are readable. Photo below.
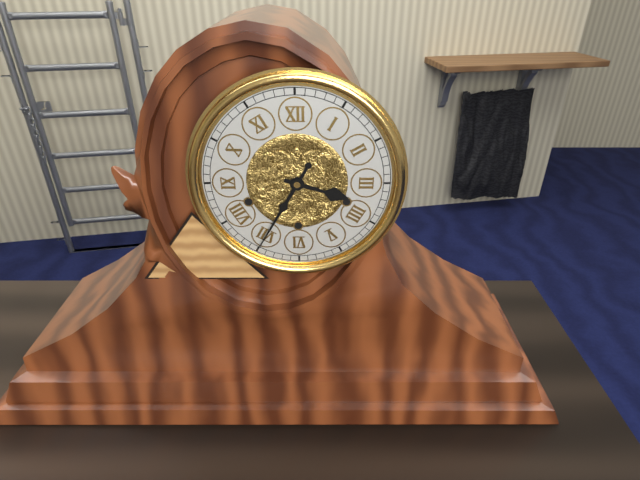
3,35
